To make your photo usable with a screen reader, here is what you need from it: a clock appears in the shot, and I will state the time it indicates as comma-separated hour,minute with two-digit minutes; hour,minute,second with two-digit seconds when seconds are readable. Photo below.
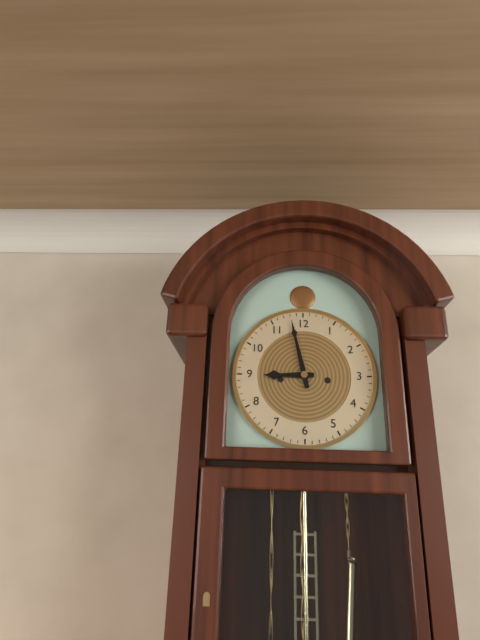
8,58
